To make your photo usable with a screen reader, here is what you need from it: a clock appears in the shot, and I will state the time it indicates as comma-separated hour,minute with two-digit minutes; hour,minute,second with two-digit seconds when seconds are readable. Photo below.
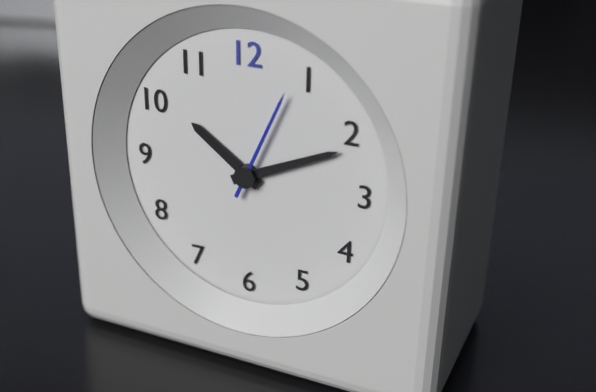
10,11,04
